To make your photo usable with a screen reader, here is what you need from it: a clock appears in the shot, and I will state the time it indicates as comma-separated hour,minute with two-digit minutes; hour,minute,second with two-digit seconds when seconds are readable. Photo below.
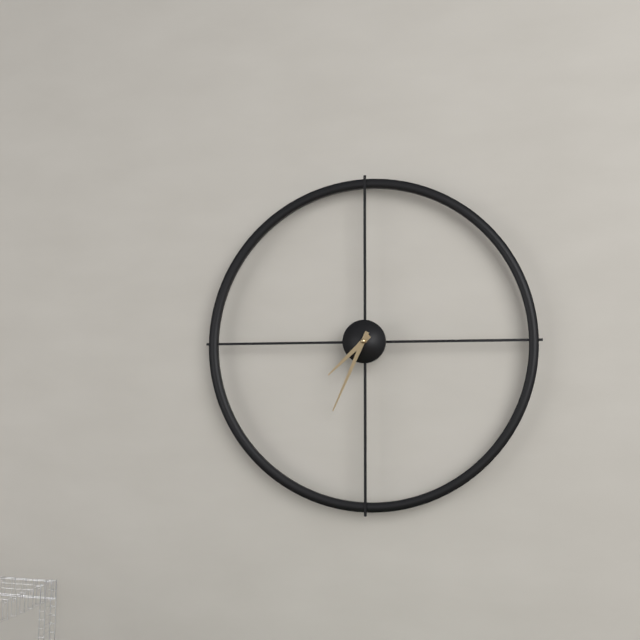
7,34
